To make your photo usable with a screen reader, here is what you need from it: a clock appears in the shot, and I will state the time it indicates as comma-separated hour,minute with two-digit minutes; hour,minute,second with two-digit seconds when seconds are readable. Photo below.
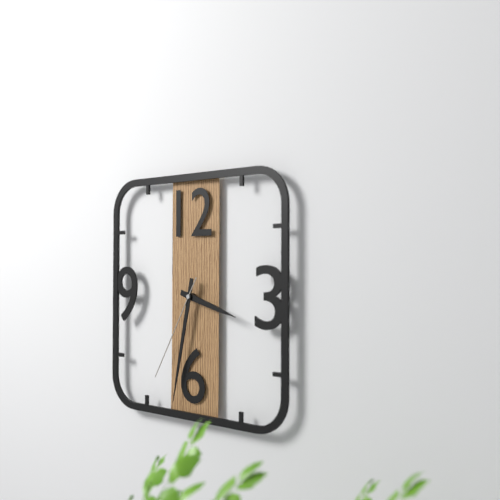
3,32,35
